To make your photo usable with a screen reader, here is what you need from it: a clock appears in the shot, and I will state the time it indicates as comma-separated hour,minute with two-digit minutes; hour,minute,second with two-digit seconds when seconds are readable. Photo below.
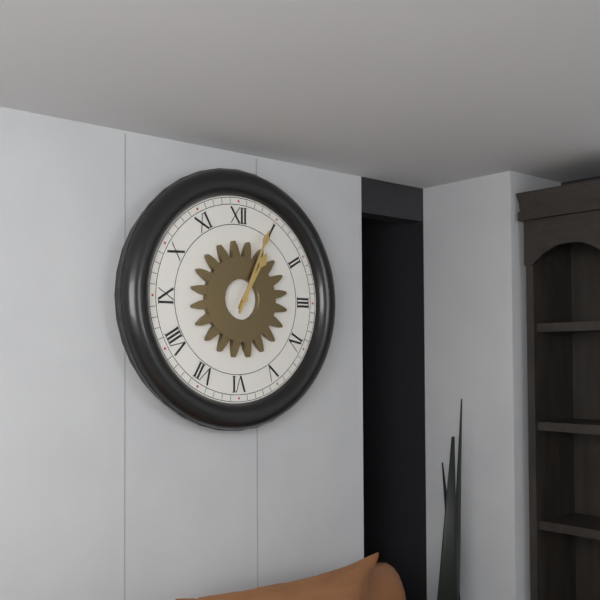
1,04
